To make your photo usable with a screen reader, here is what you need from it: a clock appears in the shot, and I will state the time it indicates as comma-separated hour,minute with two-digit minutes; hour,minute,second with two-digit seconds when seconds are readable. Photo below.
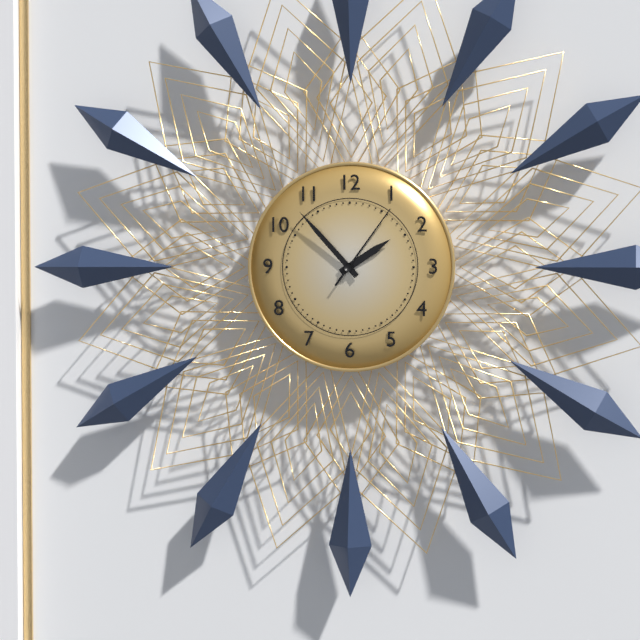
1,53,06
